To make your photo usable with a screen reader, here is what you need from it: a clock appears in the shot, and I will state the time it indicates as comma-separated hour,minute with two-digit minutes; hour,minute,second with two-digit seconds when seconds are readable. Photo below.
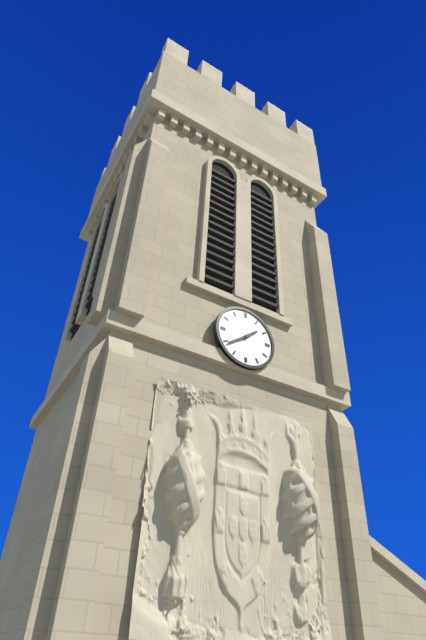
1,39
